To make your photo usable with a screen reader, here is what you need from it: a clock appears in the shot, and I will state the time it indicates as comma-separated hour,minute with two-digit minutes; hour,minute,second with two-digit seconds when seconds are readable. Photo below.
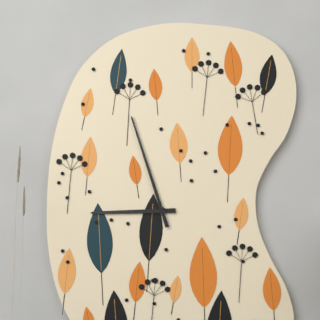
8,57
